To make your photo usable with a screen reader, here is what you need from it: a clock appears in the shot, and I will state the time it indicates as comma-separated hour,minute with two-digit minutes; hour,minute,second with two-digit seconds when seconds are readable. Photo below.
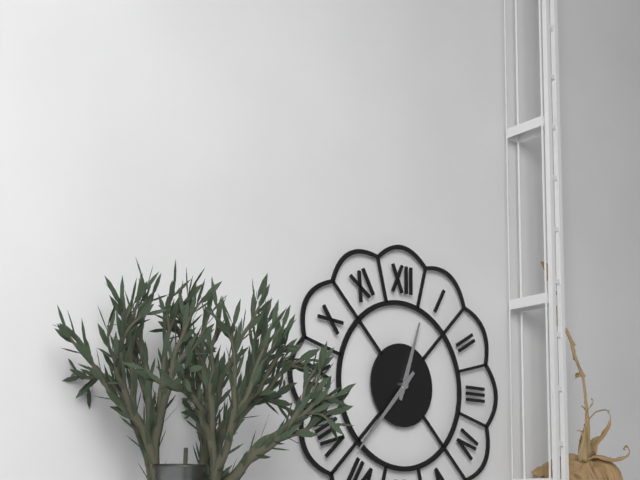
12,37
